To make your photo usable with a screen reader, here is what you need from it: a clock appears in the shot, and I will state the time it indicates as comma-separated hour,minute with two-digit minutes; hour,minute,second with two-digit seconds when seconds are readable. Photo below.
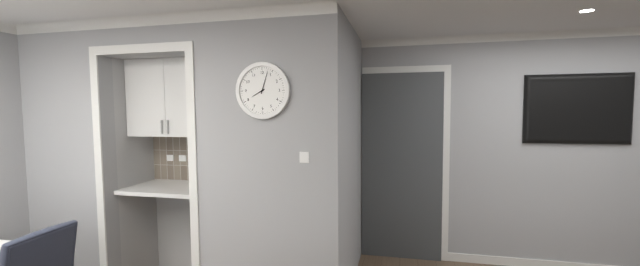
8,03
